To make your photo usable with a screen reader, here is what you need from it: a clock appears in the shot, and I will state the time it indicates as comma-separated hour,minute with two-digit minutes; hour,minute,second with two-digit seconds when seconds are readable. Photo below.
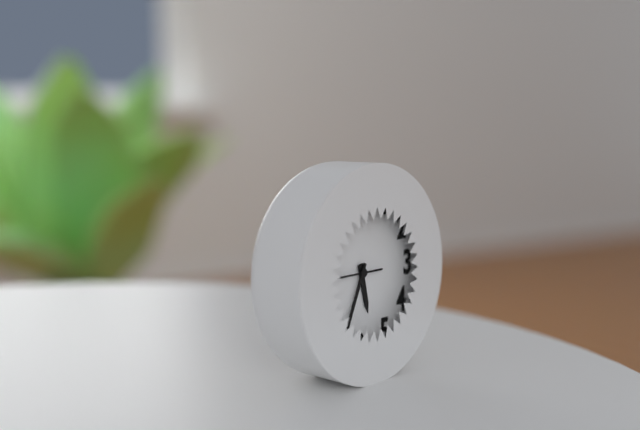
5,34
